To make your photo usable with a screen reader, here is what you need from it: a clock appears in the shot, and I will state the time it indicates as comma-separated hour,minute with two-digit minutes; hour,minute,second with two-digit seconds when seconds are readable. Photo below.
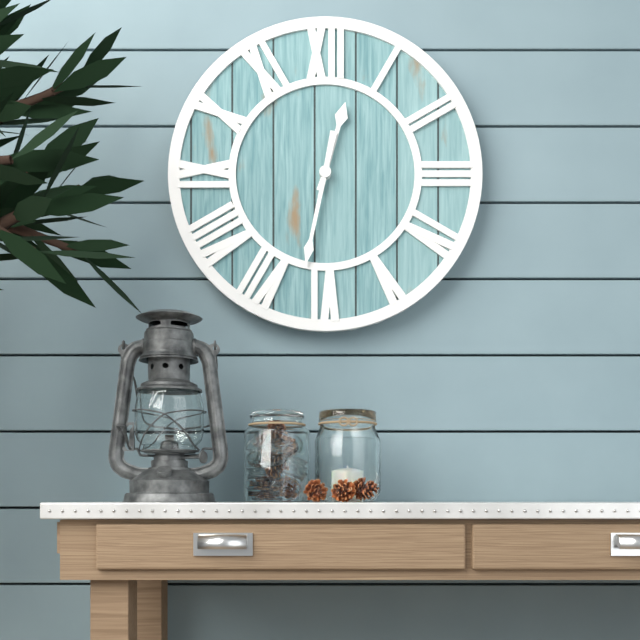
12,32
